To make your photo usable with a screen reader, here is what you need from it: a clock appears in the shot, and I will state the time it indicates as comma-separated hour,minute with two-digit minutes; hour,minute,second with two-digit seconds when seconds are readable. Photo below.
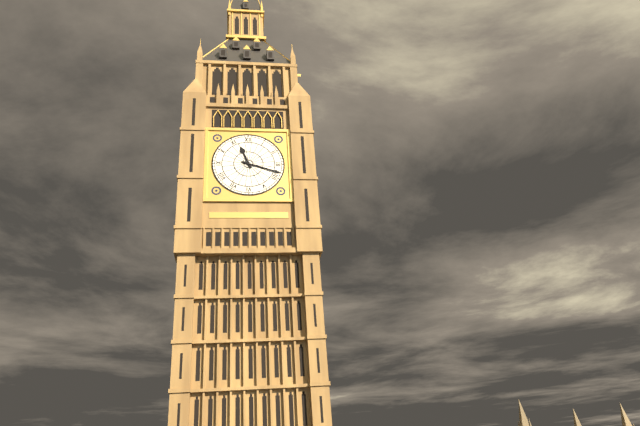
11,18
